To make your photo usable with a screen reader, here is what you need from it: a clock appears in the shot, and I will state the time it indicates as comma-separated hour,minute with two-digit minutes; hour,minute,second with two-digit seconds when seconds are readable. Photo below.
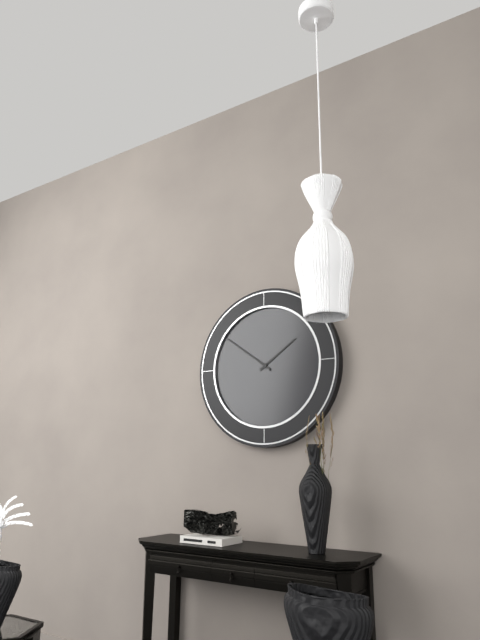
1,51
